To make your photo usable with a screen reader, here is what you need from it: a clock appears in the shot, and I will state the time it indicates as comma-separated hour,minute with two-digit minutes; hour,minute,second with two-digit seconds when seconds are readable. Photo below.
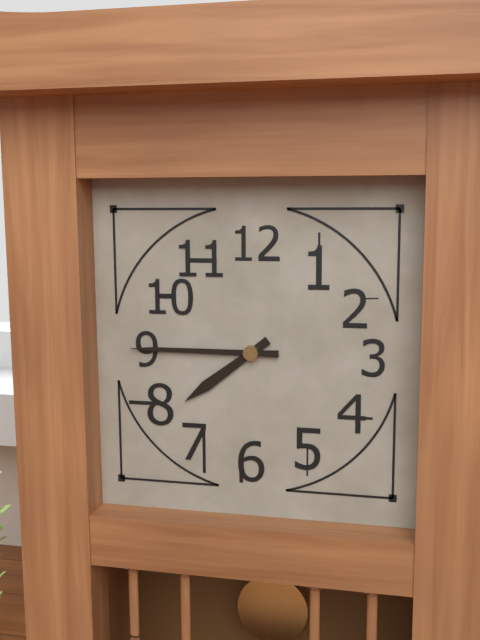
7,45
